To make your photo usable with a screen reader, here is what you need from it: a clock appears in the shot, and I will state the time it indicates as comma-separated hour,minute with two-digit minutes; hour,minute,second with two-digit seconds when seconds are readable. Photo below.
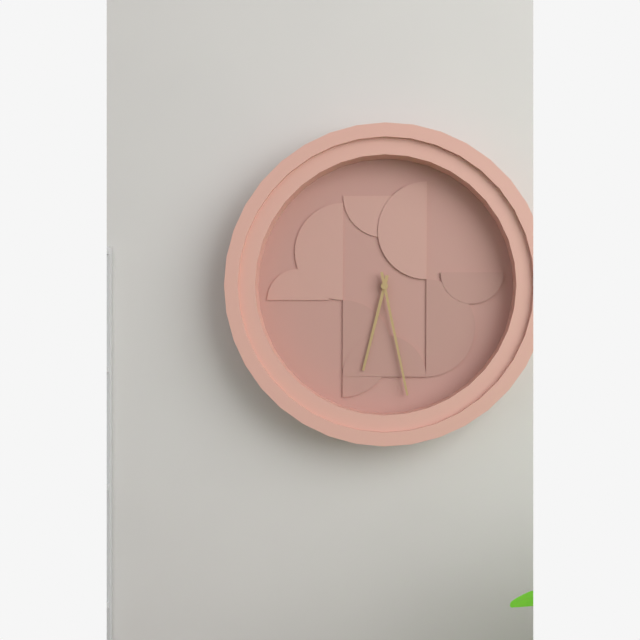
6,28
